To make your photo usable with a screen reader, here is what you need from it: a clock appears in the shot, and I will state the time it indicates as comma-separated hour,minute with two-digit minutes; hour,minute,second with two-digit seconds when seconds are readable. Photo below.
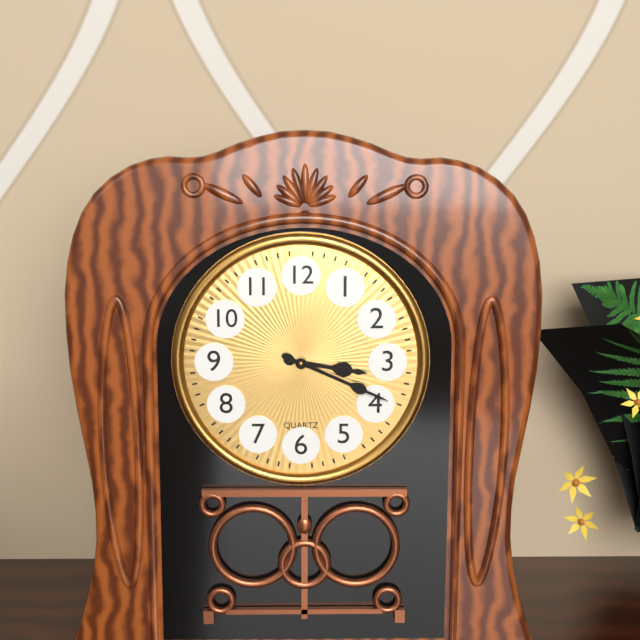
3,19
